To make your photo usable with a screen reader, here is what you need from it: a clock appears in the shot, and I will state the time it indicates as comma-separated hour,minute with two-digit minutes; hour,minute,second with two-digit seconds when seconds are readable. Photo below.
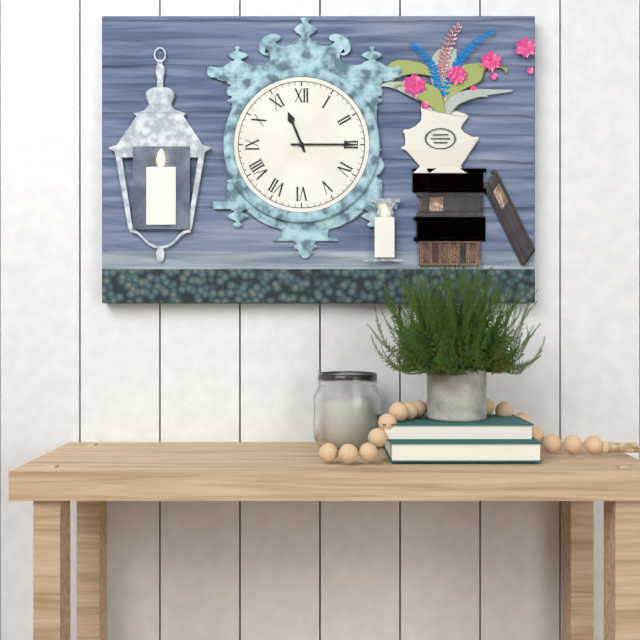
11,15
